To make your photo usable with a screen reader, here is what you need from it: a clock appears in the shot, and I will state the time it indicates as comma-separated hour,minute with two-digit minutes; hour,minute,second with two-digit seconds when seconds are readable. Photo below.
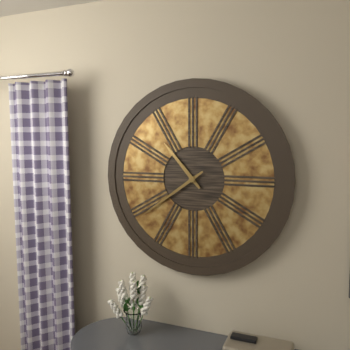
10,39
